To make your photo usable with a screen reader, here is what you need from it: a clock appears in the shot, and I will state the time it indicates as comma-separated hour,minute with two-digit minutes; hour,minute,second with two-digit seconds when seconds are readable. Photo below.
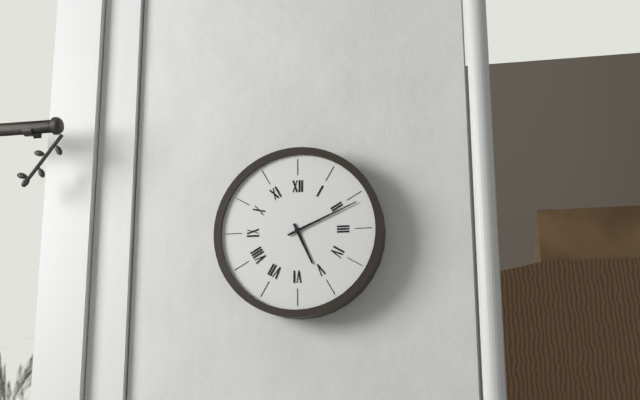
5,11
